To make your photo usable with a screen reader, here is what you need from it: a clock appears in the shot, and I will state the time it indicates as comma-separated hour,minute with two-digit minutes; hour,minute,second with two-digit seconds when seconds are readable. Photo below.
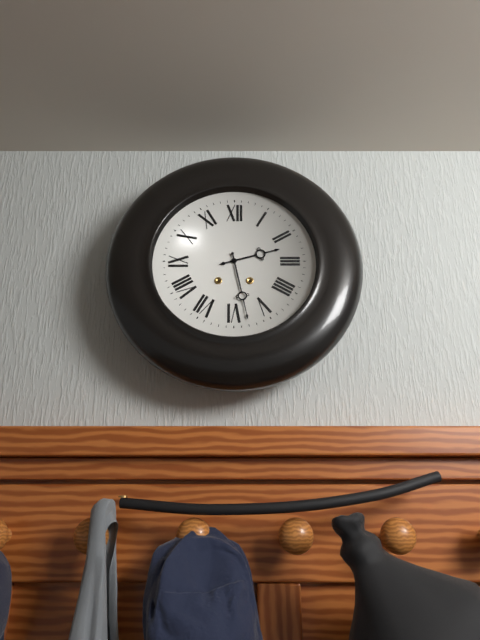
2,28
